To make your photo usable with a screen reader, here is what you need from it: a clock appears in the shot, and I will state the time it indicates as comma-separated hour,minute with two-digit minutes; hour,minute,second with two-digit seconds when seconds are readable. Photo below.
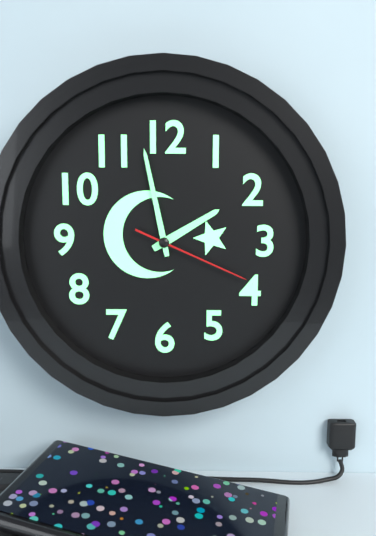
1,58,19
